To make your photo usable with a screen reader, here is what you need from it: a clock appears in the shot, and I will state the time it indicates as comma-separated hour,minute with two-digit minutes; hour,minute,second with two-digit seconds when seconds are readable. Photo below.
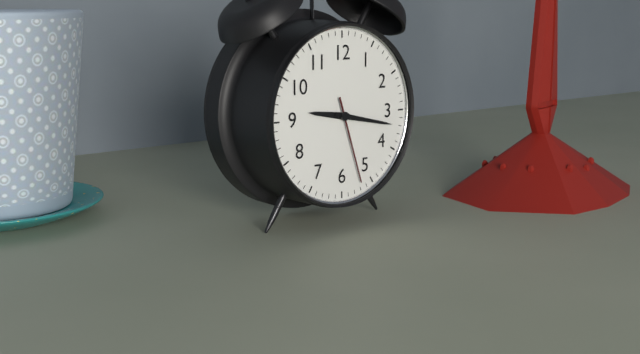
9,17,27
